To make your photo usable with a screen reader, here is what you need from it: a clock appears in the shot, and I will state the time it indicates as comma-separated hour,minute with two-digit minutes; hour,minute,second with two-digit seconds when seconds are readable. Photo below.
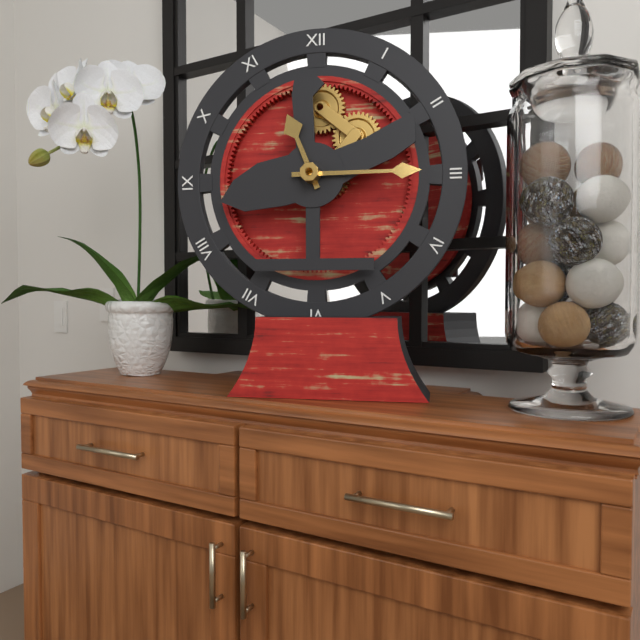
11,15
